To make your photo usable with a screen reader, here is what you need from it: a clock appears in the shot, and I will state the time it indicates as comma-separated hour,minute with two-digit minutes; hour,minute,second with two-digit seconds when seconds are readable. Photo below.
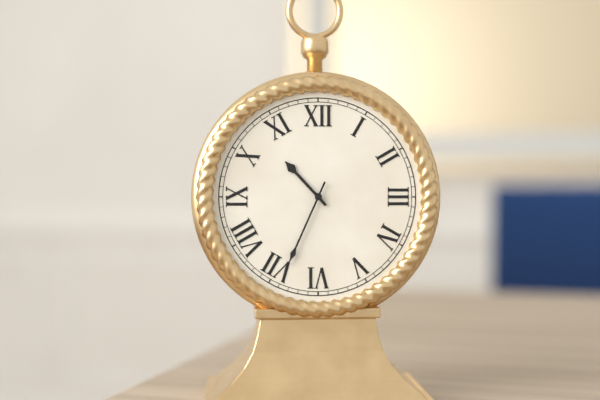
10,34
